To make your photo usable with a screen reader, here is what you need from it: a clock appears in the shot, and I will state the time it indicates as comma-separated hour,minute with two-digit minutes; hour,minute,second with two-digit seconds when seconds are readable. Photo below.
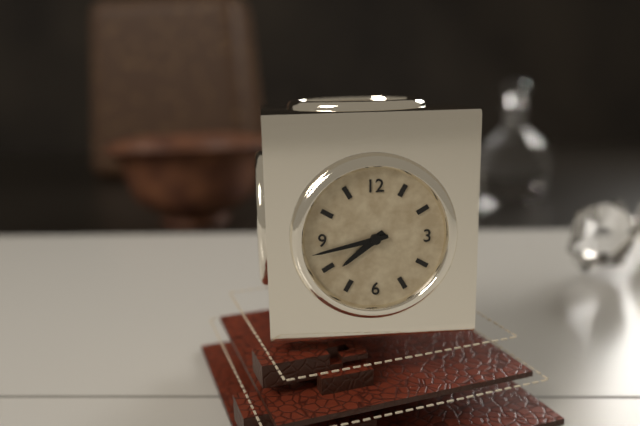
7,43
